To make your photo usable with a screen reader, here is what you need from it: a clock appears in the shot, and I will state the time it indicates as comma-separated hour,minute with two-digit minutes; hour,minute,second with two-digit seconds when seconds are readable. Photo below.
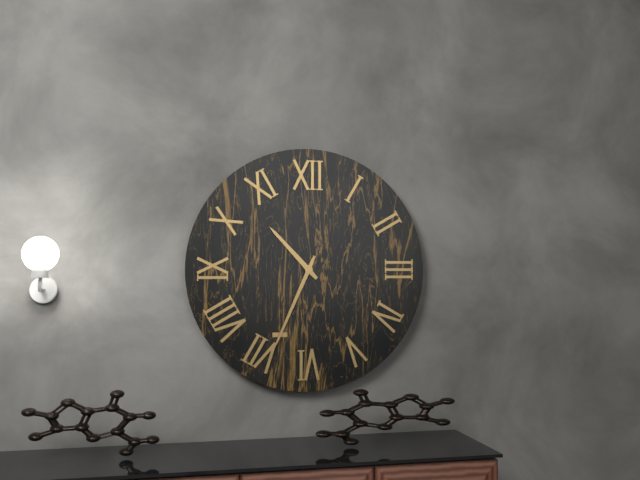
10,34
